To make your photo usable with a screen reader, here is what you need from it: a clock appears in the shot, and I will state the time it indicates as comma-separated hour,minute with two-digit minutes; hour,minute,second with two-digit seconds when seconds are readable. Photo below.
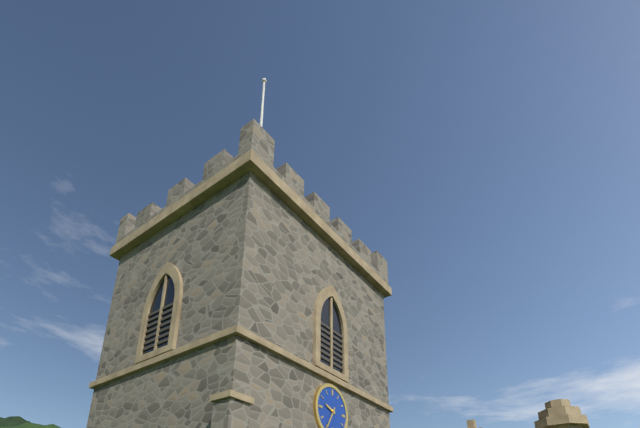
9,35
